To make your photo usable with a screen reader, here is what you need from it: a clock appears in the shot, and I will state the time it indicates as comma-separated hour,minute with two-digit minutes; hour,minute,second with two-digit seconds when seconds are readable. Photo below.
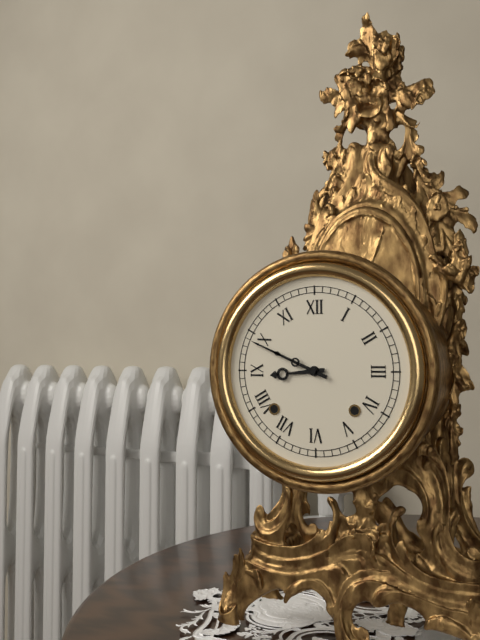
8,49
